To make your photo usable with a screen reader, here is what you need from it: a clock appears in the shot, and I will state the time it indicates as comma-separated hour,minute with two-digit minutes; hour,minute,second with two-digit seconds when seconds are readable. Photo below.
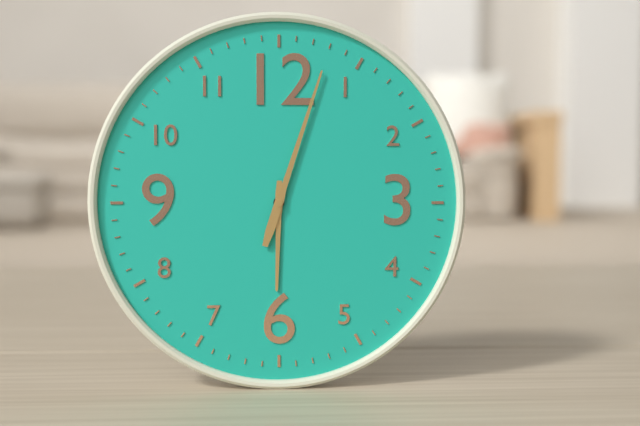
6,03
